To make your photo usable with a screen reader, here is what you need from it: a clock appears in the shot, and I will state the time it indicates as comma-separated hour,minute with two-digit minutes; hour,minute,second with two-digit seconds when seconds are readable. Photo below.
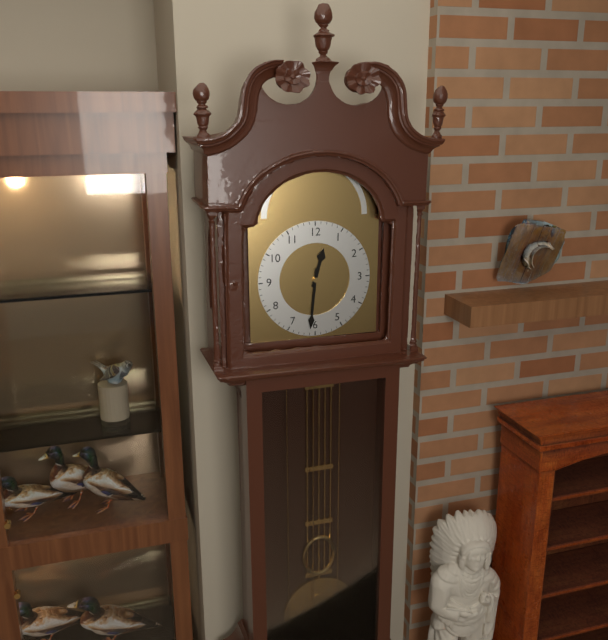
12,31
